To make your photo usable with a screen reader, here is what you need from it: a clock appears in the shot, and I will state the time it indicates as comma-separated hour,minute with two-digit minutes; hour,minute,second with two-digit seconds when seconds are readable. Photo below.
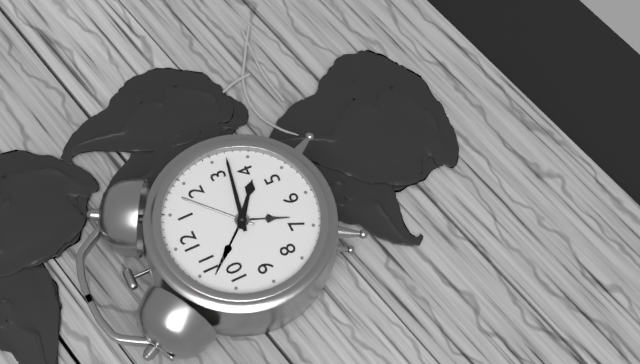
4,17
